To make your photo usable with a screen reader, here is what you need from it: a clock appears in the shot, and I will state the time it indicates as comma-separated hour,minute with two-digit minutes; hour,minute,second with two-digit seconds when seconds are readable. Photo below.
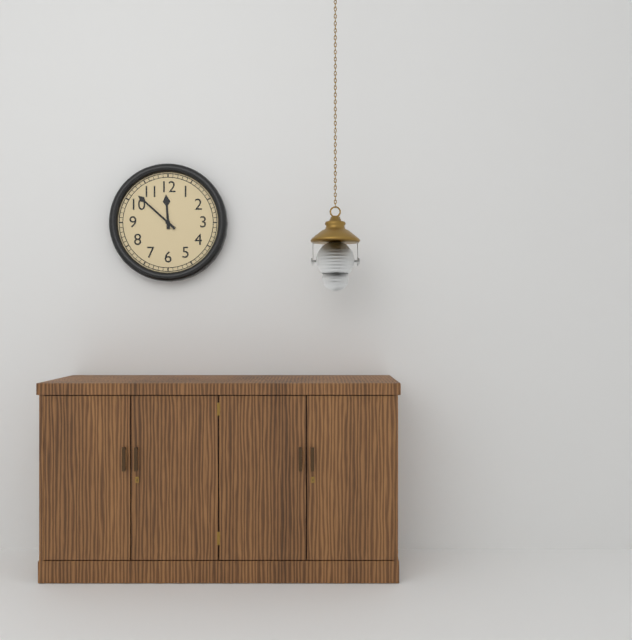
11,52
